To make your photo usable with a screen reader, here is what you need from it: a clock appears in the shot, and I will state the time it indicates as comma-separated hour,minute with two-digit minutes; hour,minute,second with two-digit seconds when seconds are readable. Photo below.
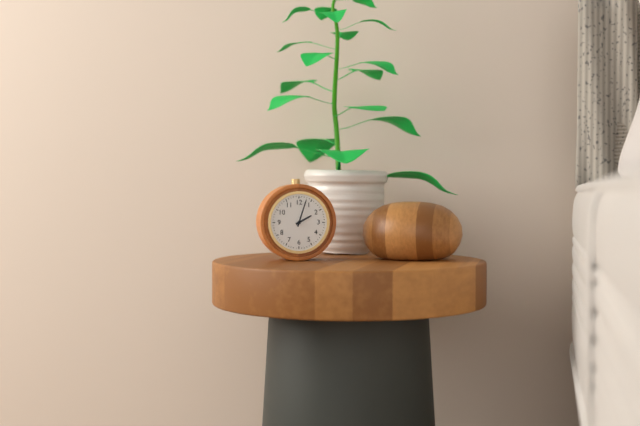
2,03
